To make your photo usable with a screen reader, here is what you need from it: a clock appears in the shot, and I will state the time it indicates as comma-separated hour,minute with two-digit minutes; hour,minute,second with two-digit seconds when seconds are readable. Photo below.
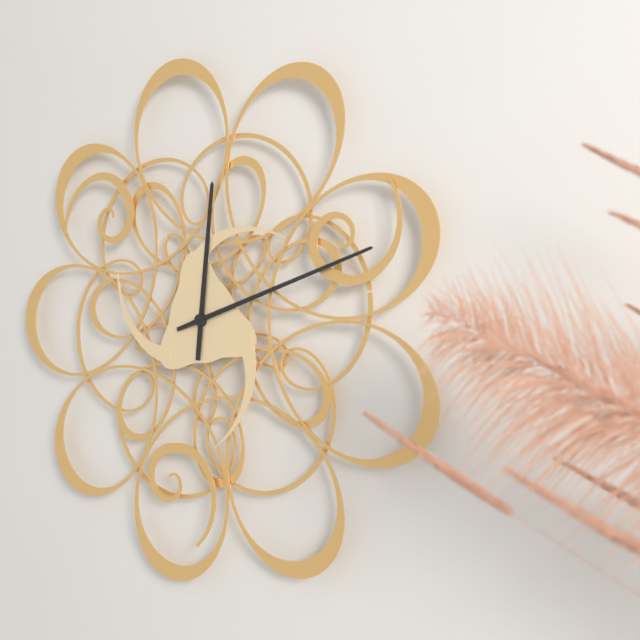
12,12
